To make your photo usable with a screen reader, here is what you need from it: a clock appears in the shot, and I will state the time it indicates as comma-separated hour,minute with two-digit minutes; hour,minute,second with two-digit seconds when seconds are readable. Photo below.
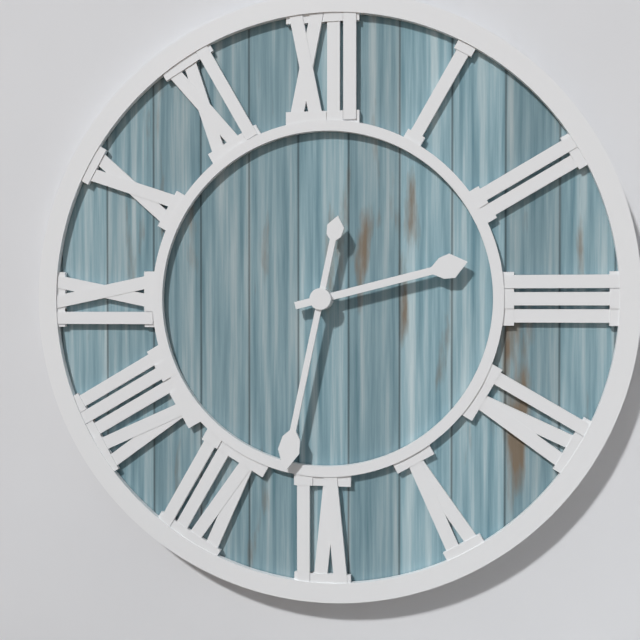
2,32
